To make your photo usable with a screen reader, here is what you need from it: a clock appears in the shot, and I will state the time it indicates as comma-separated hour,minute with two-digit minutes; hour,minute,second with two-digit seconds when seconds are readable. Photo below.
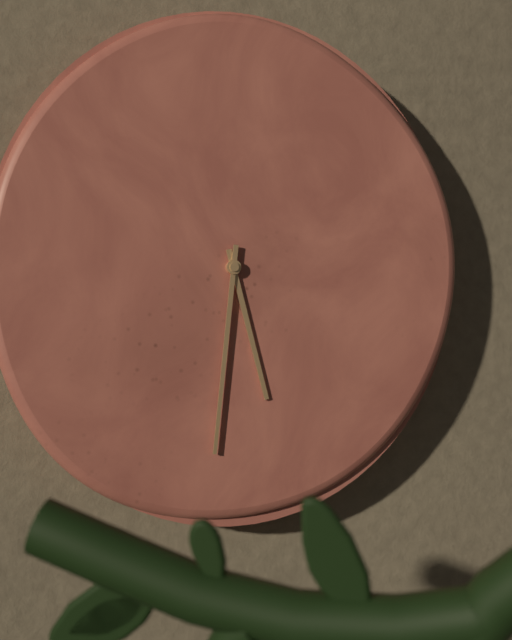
5,31
